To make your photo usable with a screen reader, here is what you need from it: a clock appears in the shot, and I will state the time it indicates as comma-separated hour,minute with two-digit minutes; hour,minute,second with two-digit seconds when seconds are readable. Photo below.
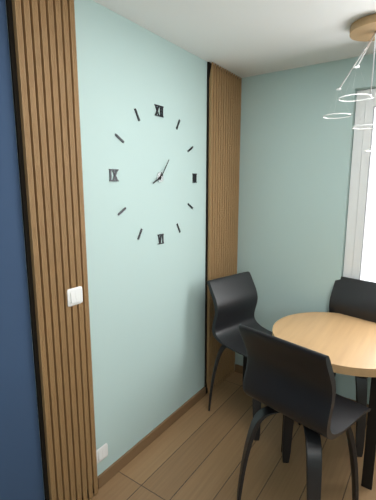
8,06
